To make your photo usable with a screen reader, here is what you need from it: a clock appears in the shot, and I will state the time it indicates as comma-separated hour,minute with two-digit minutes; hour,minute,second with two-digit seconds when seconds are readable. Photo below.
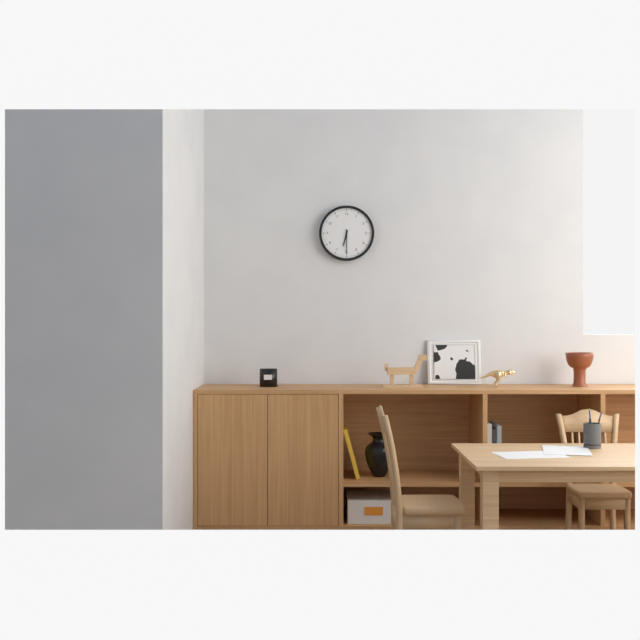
6,30
